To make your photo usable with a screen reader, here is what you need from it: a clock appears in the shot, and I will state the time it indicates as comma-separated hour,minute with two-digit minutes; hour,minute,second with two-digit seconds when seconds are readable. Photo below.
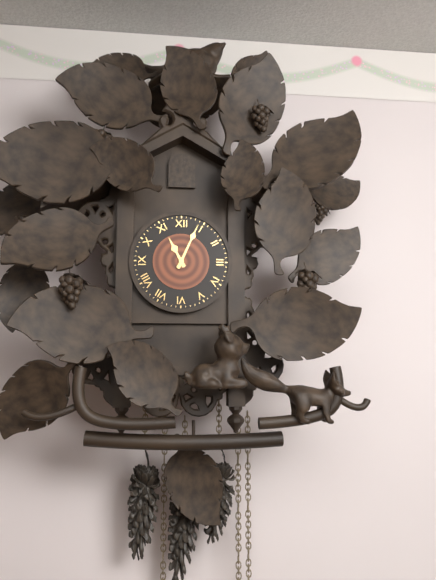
11,04
